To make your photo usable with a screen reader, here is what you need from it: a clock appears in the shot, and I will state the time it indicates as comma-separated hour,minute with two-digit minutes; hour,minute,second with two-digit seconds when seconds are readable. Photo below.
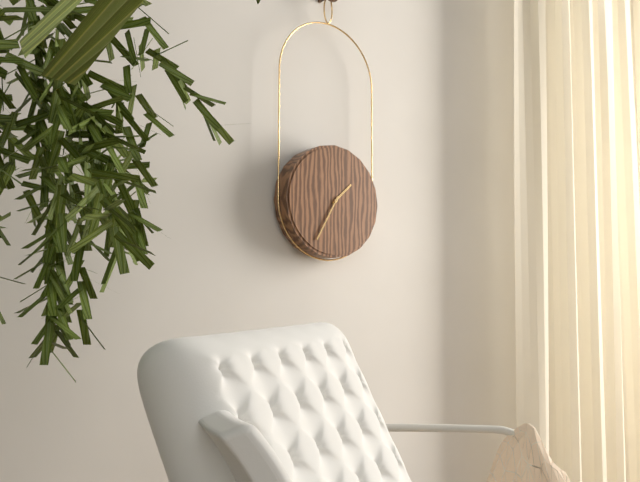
1,35
